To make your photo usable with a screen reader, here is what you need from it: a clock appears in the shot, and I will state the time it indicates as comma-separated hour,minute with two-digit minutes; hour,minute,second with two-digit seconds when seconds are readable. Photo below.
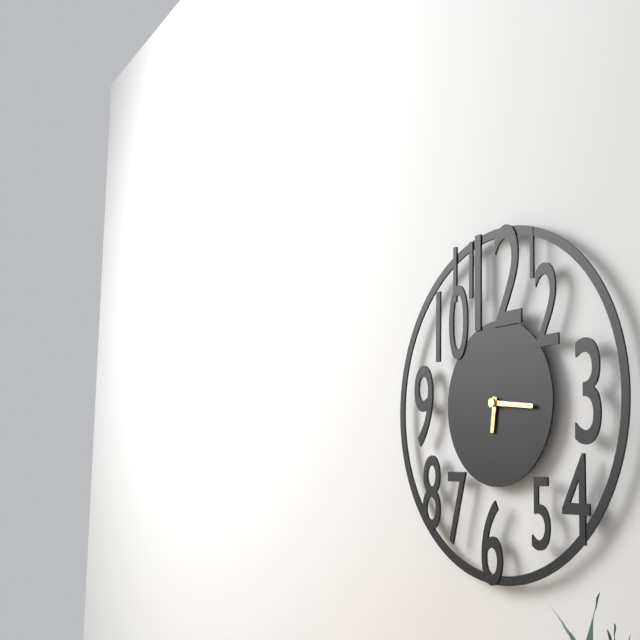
6,16
